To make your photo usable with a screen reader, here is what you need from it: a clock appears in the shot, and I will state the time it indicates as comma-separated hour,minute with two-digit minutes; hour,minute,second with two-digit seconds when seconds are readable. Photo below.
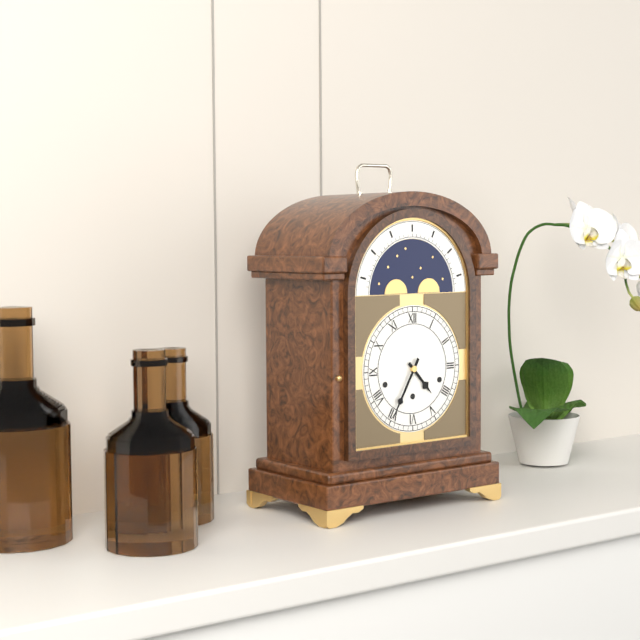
4,35
